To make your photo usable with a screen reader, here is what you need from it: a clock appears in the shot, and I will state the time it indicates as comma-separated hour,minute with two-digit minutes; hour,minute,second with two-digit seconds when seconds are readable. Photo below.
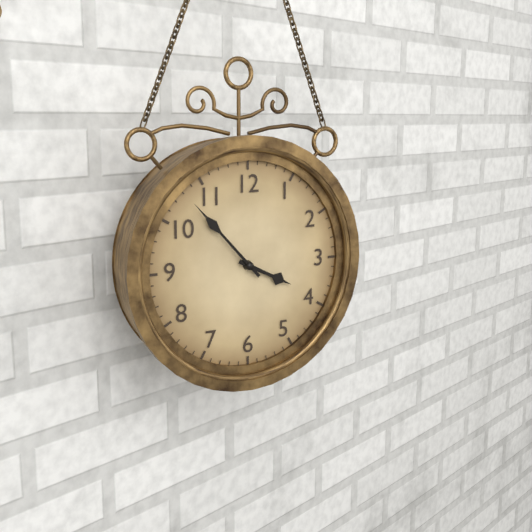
3,53
